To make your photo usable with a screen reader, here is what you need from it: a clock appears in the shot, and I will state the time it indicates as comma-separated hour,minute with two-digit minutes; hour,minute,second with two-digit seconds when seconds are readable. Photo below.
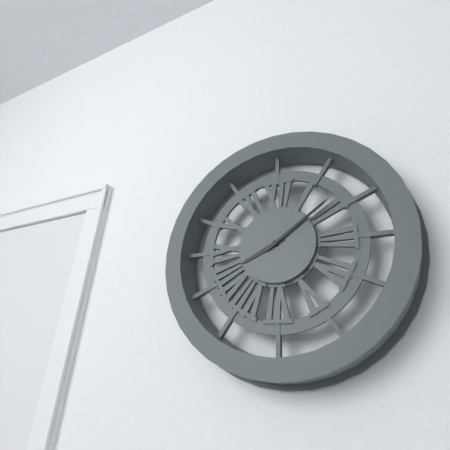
8,09
